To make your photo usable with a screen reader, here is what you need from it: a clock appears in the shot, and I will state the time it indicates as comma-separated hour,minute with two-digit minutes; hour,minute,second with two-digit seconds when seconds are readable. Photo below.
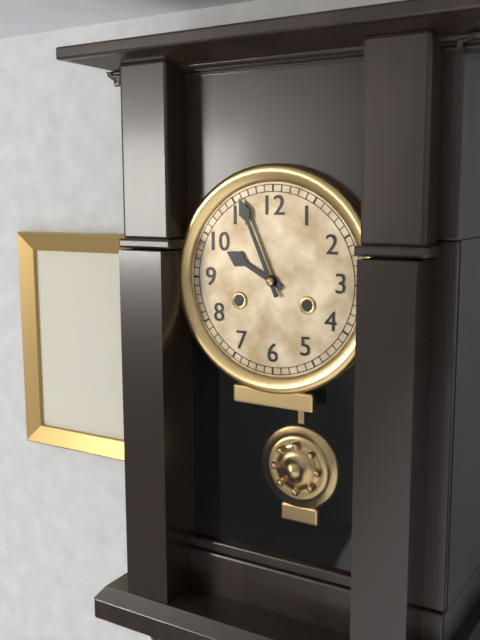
9,56
